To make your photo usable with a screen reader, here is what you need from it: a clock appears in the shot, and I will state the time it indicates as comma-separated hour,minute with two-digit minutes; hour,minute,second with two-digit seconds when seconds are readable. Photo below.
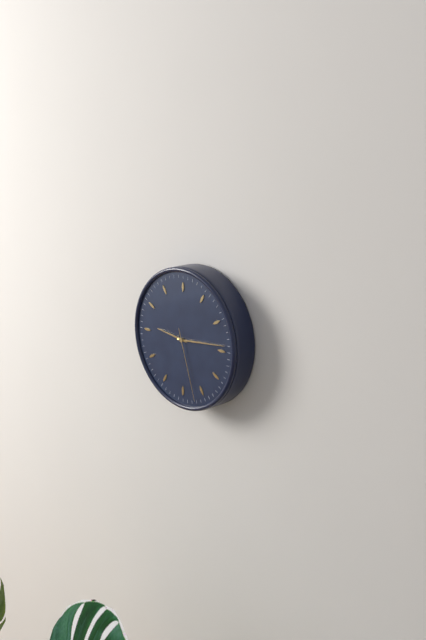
9,14,27
